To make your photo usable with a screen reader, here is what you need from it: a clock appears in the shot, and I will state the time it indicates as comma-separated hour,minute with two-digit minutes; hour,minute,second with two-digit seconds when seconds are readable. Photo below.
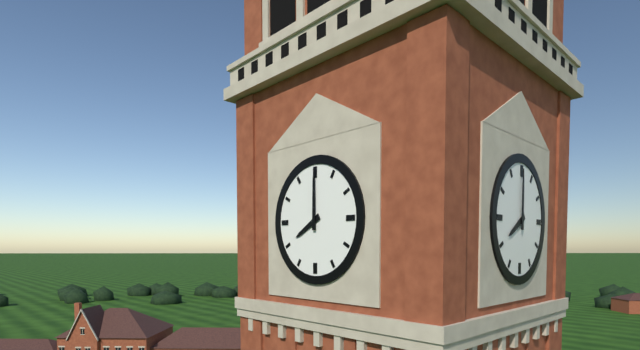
8,00
